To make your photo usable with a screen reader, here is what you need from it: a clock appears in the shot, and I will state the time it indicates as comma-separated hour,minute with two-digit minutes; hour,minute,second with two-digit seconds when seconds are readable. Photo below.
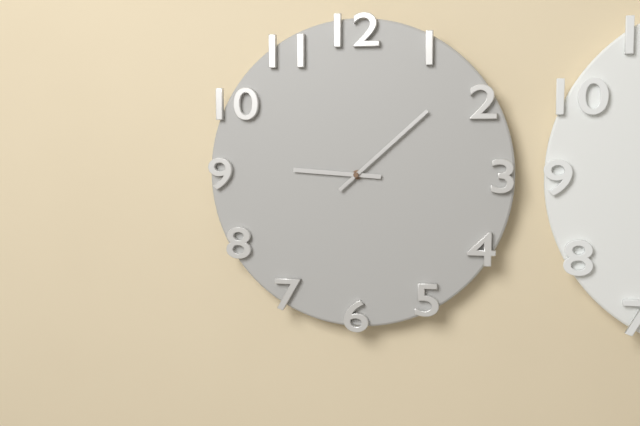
9,08
